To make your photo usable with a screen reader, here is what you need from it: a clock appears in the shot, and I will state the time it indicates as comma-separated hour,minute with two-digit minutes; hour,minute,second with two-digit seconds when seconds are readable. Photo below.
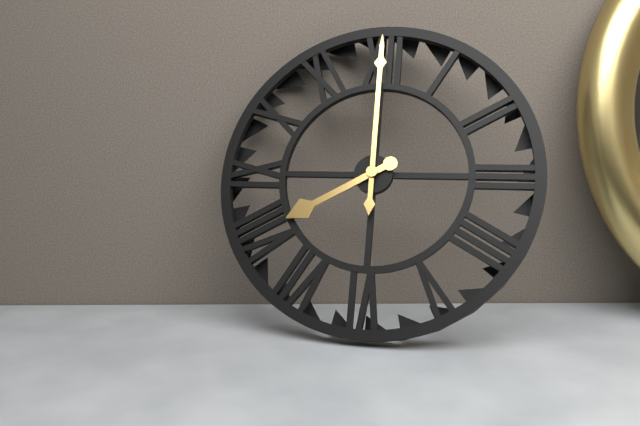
8,00
